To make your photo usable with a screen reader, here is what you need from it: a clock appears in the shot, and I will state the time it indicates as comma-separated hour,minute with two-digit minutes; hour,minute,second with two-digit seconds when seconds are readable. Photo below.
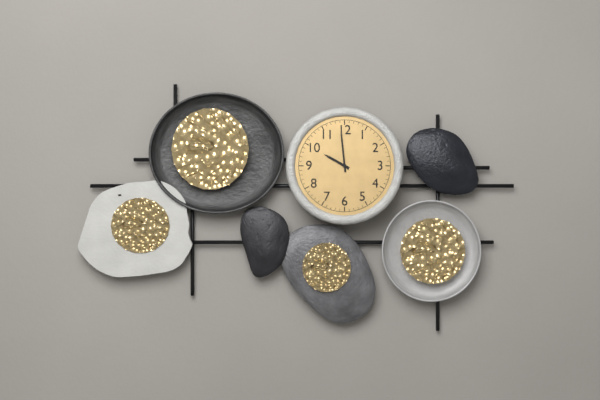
9,59
